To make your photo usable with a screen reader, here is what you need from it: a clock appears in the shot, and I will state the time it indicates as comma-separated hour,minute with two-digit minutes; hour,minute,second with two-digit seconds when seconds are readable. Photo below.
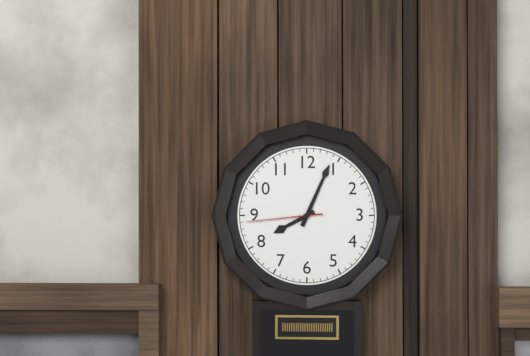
8,04,44
